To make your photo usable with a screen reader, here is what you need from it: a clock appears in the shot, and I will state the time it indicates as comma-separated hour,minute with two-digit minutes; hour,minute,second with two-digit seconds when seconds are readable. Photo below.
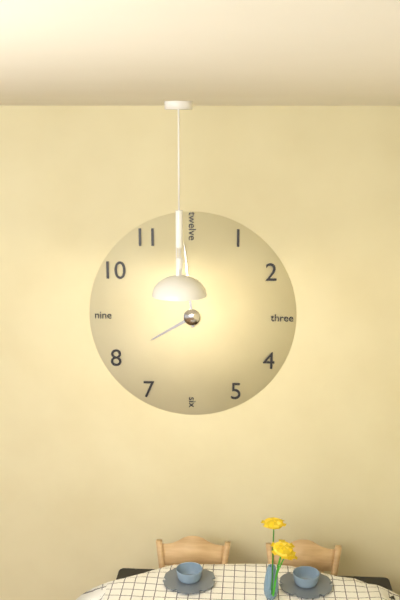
7,59
